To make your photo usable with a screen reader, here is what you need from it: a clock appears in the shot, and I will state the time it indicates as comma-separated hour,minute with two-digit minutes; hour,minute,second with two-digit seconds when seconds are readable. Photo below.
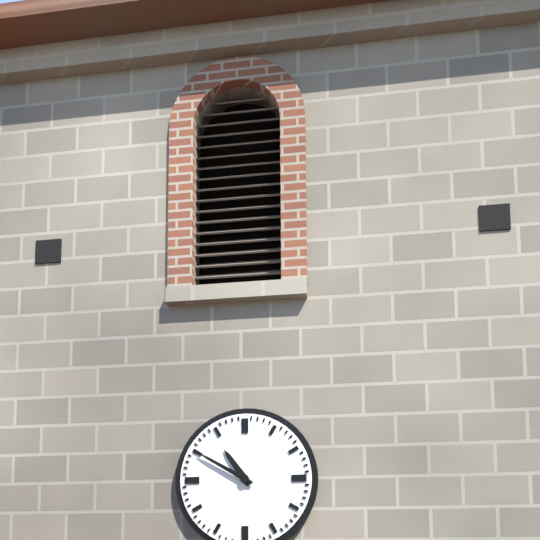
10,50
